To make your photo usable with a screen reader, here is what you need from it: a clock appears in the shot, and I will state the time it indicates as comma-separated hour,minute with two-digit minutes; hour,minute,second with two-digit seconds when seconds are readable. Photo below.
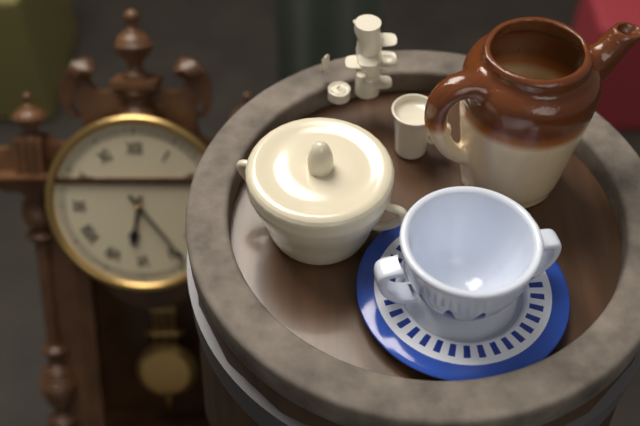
6,24
